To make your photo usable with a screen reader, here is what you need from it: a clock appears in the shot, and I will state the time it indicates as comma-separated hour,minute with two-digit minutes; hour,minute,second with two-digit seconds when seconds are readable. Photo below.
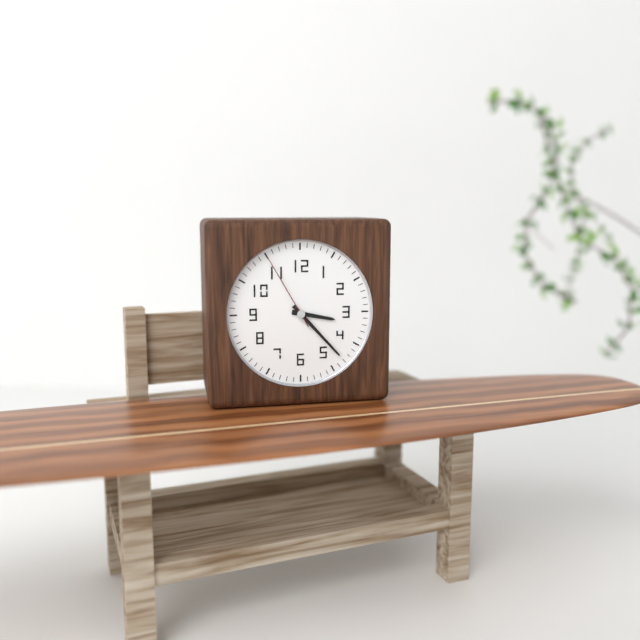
3,23,55
